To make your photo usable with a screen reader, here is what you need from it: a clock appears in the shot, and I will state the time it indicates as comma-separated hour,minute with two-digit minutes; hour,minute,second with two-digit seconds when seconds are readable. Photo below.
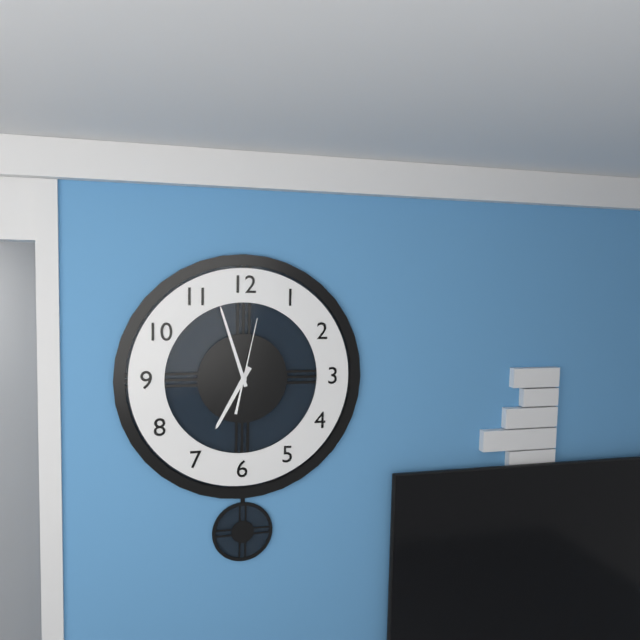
6,57,02
